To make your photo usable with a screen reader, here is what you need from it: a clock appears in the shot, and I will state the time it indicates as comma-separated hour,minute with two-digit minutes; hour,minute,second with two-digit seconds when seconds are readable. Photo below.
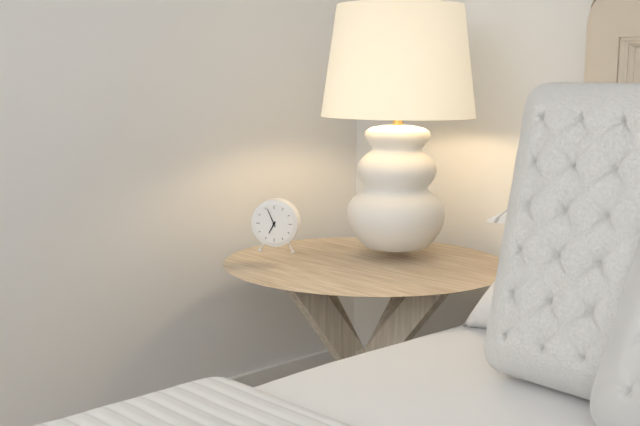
6,56
